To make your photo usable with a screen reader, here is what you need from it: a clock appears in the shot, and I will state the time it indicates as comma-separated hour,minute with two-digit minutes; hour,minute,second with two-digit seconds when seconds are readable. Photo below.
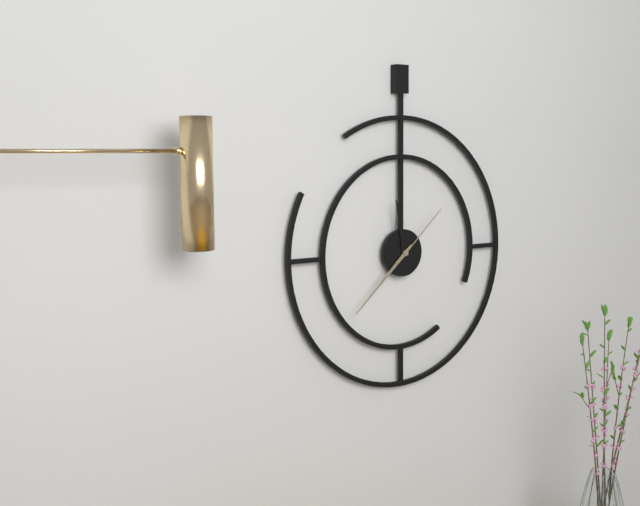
11,38,08
